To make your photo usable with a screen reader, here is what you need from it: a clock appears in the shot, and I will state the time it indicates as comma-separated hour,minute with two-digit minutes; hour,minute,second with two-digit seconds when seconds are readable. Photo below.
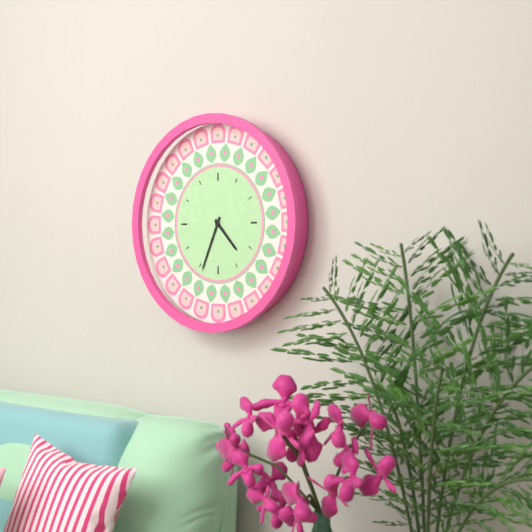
4,34
